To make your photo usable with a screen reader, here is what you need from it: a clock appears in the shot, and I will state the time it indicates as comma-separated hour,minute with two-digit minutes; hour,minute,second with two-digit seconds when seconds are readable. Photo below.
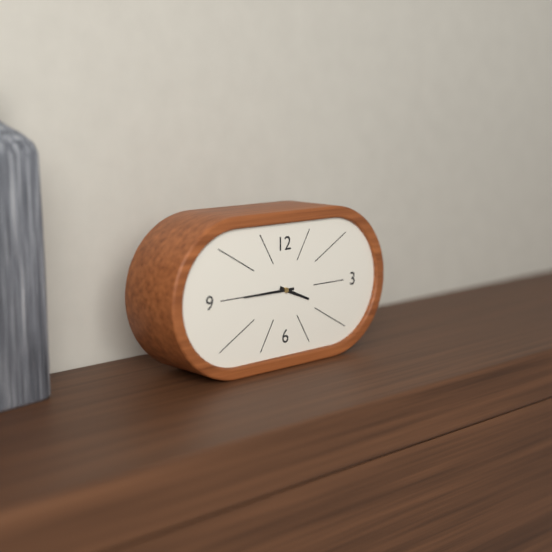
3,45
